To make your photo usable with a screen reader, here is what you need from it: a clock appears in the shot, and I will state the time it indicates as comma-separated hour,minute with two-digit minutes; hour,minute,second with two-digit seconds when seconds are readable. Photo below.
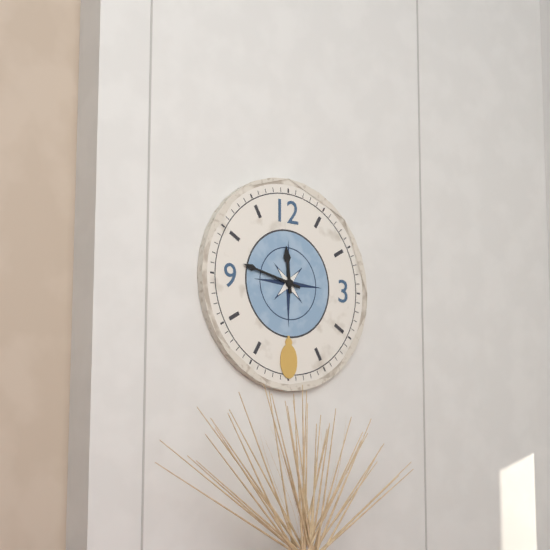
11,47
